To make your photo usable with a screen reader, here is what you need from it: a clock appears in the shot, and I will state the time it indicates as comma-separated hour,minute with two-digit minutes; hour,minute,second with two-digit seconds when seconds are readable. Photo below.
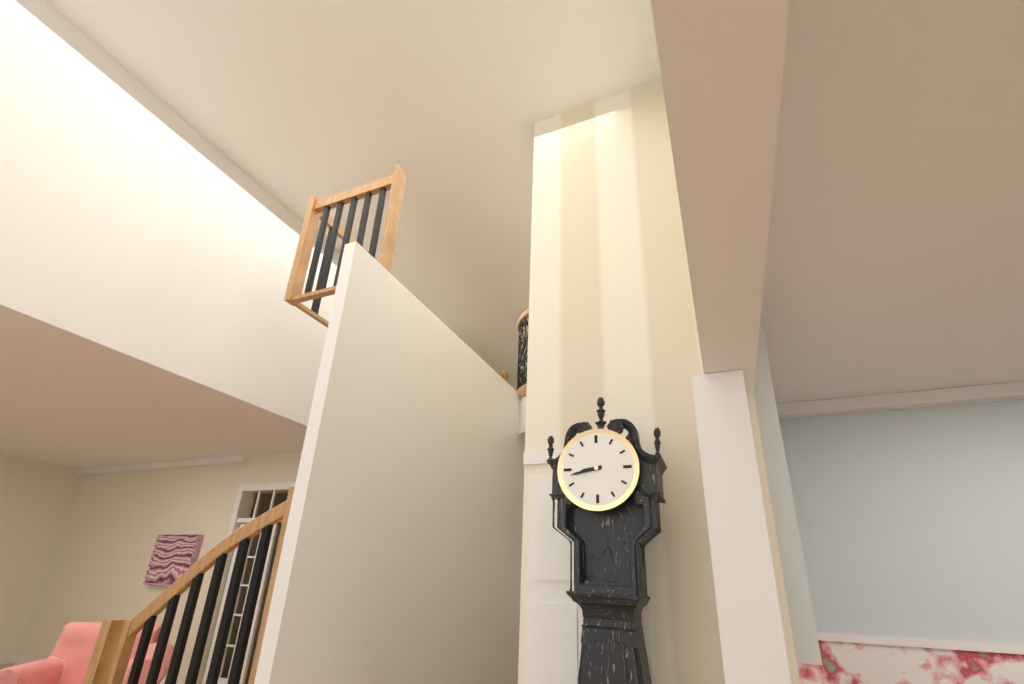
8,43
